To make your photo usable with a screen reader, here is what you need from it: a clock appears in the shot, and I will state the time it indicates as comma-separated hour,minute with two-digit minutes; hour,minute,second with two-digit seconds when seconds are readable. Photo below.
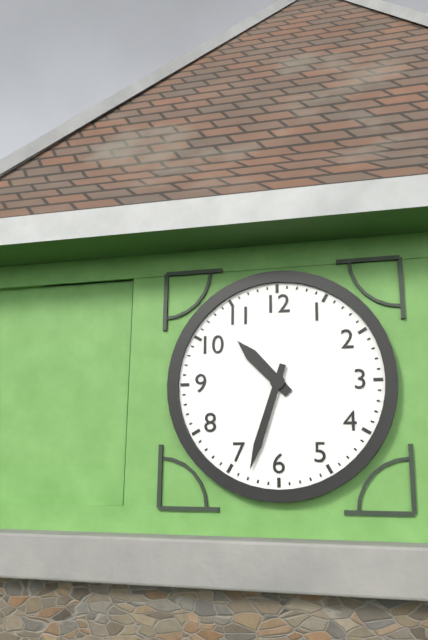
10,33
